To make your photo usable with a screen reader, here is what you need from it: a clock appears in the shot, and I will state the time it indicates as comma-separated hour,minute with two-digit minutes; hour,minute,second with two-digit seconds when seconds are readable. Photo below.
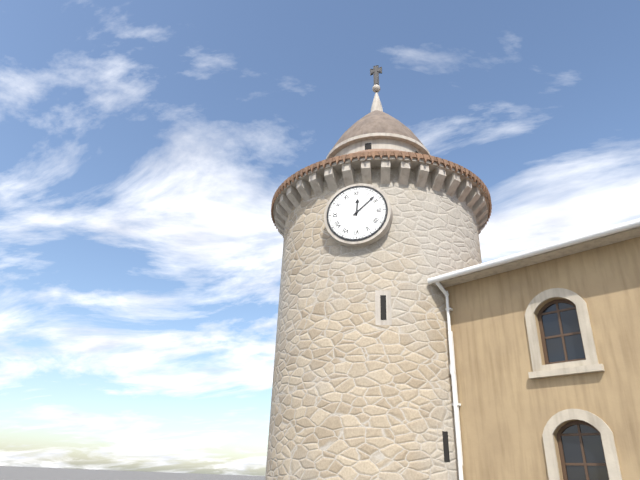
12,08
